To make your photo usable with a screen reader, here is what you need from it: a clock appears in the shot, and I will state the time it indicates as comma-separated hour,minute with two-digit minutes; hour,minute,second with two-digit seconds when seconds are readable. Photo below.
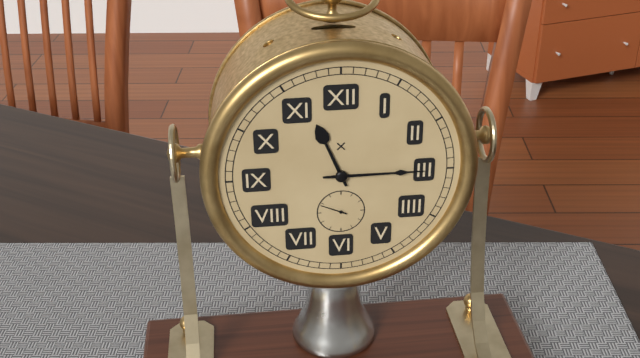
11,15
